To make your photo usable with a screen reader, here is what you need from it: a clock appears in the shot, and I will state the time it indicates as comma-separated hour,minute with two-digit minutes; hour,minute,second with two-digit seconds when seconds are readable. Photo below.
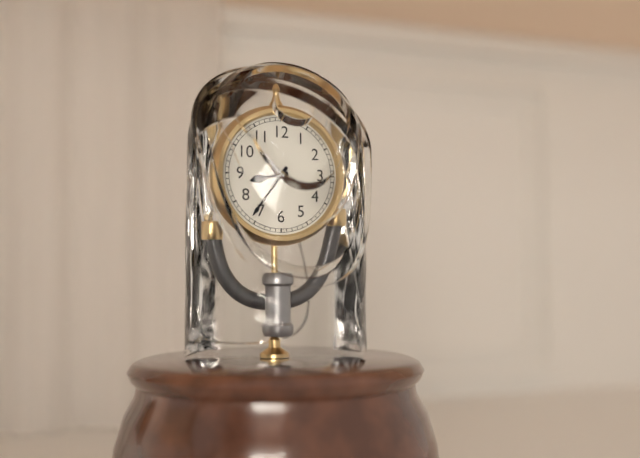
8,36
